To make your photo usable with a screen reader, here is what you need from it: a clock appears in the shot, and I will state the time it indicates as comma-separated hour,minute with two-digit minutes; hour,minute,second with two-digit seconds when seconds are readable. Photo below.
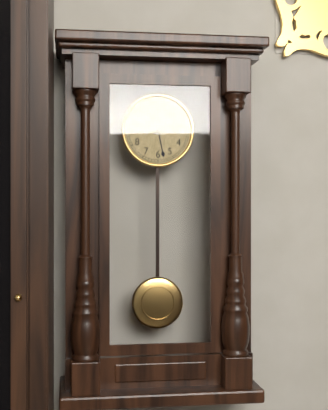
1,28
